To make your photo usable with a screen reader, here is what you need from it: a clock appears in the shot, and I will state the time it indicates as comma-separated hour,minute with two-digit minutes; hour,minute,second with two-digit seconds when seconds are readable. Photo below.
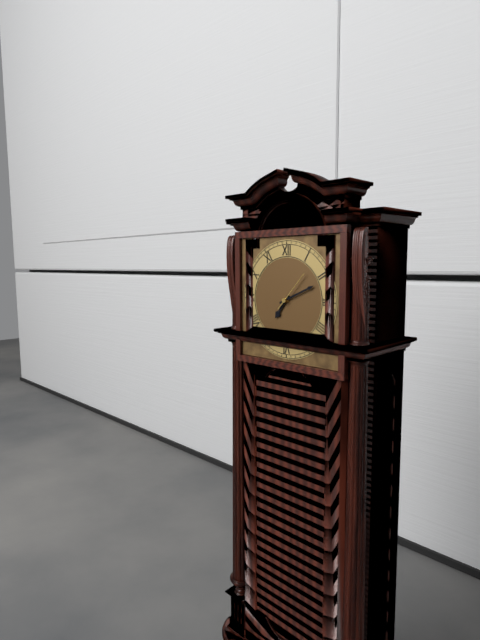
7,11
